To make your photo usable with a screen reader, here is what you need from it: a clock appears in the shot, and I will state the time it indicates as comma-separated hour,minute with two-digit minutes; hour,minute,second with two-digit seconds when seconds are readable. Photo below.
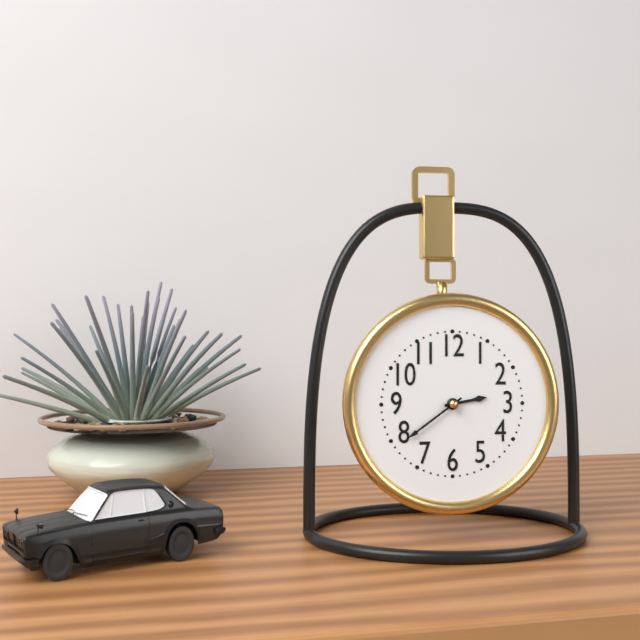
2,39
